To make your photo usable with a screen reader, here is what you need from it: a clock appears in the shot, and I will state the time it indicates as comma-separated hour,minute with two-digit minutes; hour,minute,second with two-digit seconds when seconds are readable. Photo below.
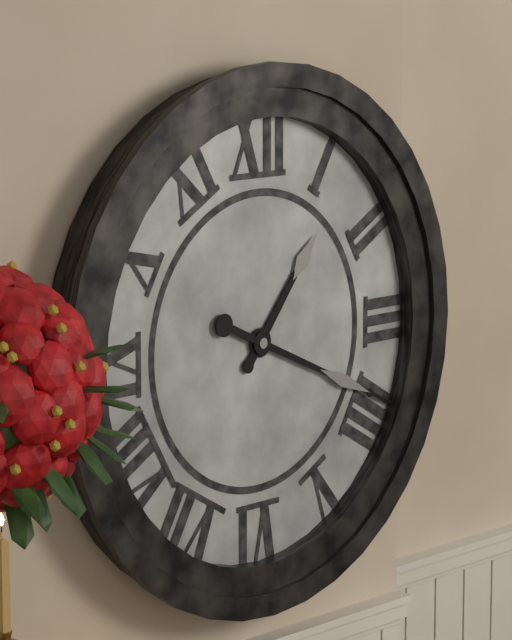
1,19
